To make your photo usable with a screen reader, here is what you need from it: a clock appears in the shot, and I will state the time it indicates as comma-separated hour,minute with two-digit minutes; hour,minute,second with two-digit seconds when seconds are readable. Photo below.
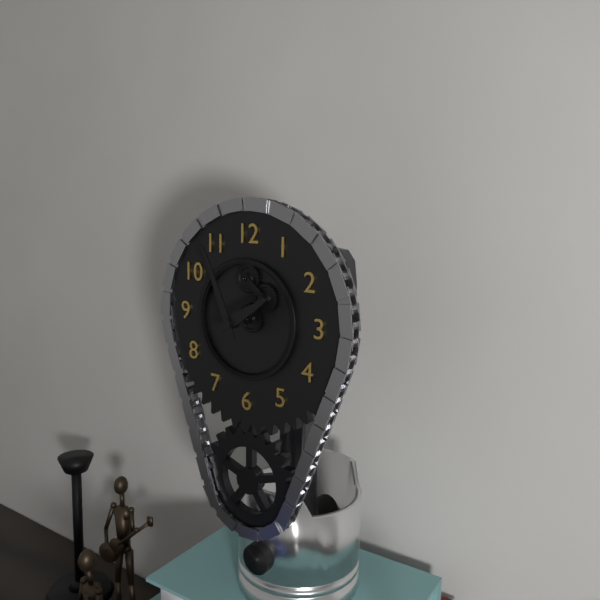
1,56
